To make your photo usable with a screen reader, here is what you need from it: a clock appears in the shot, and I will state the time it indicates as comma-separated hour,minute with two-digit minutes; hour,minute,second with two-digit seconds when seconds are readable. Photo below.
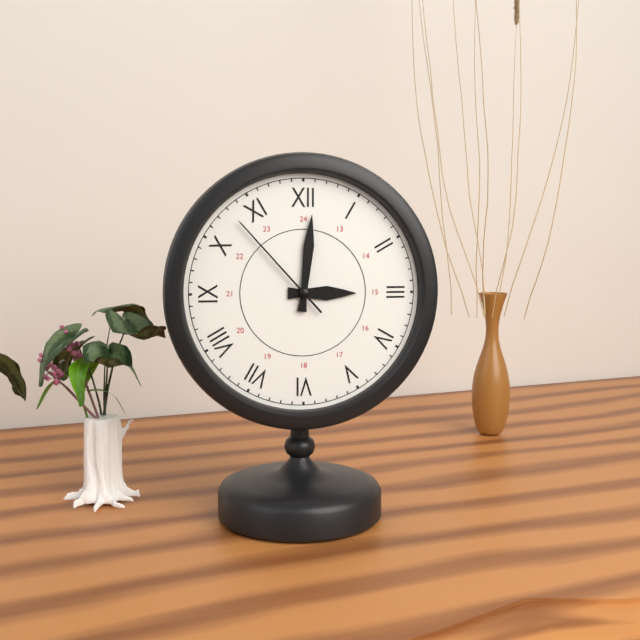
3,01,53
